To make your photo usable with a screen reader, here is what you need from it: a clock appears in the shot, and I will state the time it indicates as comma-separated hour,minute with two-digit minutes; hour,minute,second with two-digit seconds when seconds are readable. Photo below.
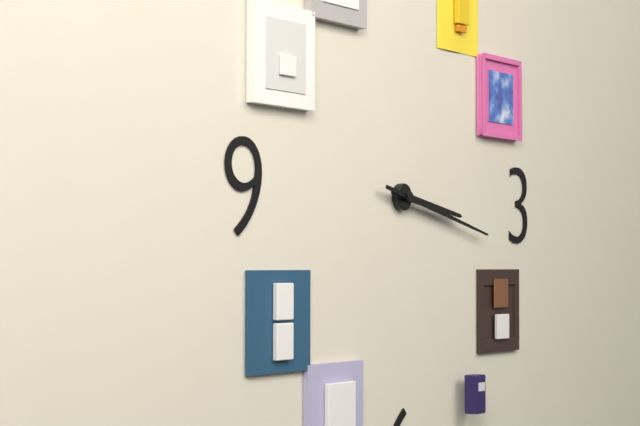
3,17
